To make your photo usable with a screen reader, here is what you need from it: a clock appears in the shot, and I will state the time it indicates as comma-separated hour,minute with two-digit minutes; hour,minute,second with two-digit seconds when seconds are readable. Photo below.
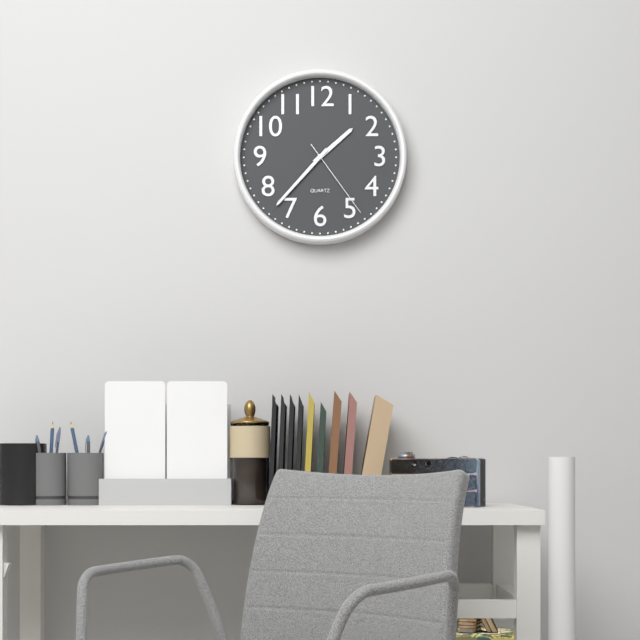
1,37,24
